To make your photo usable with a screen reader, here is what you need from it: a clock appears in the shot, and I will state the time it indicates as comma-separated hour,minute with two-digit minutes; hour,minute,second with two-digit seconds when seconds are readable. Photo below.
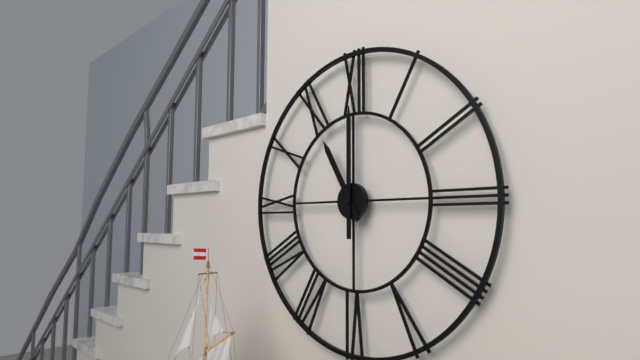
11,00
